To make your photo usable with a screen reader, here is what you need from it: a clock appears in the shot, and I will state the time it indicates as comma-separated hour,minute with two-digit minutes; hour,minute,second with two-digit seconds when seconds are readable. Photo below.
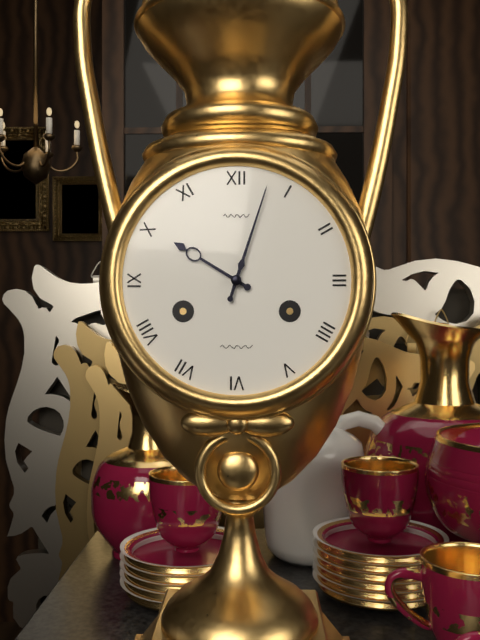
10,03
